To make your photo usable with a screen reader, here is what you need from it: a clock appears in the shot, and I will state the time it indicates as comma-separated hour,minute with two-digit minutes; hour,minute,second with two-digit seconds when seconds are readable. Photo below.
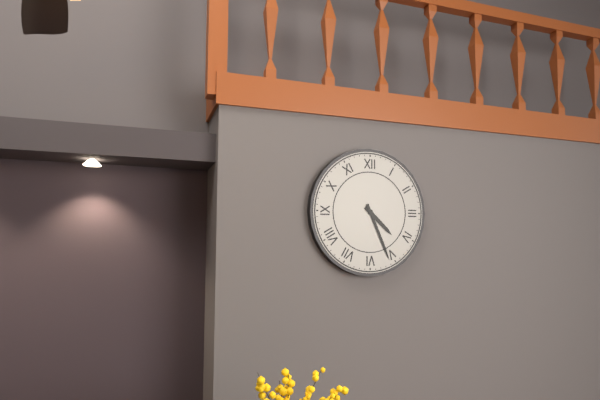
4,26
